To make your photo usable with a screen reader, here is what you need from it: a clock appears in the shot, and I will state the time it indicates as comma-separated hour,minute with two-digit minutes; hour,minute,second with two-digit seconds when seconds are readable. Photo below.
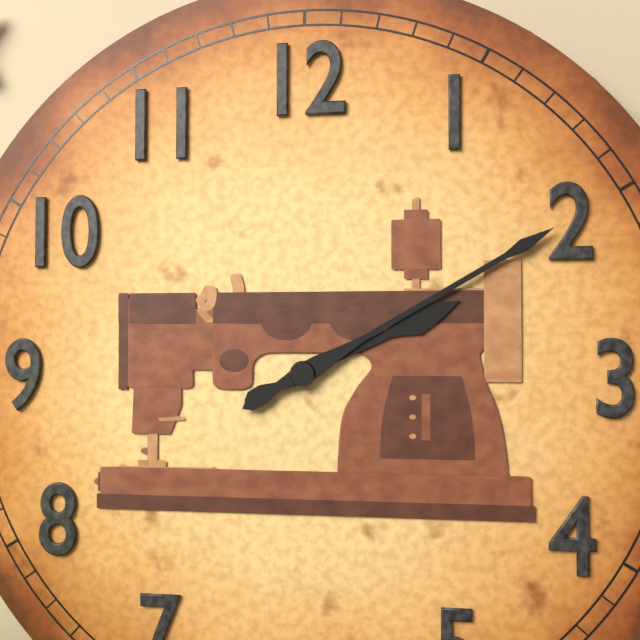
2,10
